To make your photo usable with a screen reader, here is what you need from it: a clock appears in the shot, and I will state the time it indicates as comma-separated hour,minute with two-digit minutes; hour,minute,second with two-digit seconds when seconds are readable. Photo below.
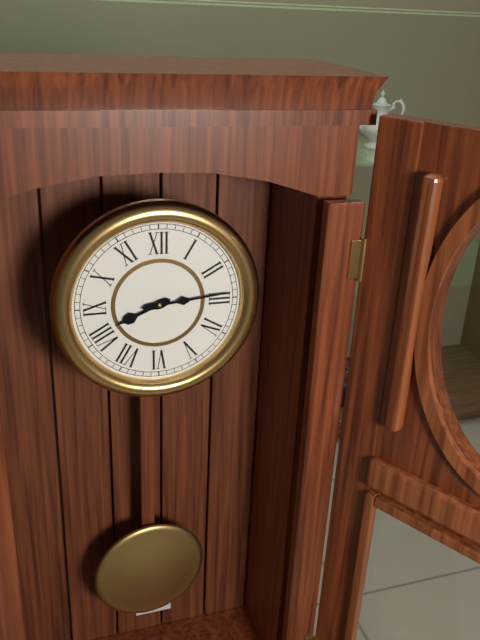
8,14
